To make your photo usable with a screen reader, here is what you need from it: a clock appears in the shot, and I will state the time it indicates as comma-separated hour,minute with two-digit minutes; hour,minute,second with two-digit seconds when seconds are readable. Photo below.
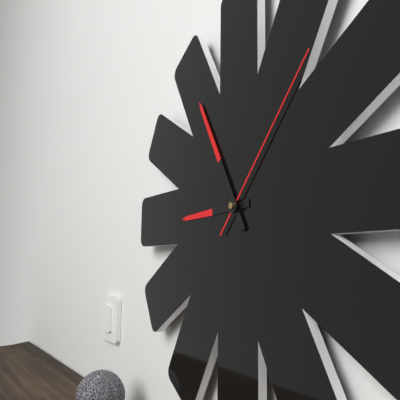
8,55,07
